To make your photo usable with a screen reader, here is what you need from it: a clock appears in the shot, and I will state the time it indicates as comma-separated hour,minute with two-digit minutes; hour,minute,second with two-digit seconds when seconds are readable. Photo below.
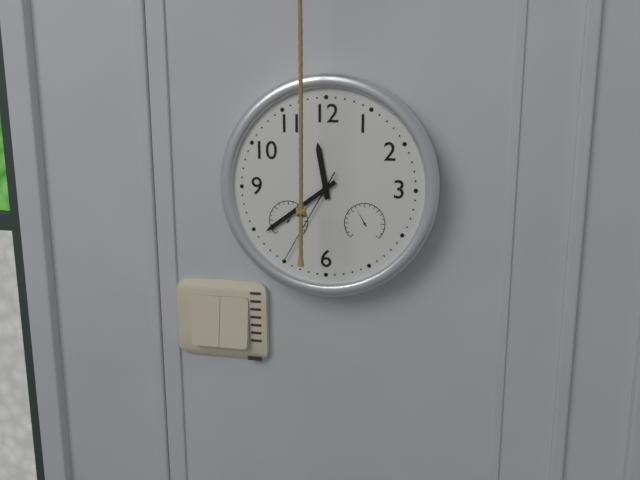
11,39,35
